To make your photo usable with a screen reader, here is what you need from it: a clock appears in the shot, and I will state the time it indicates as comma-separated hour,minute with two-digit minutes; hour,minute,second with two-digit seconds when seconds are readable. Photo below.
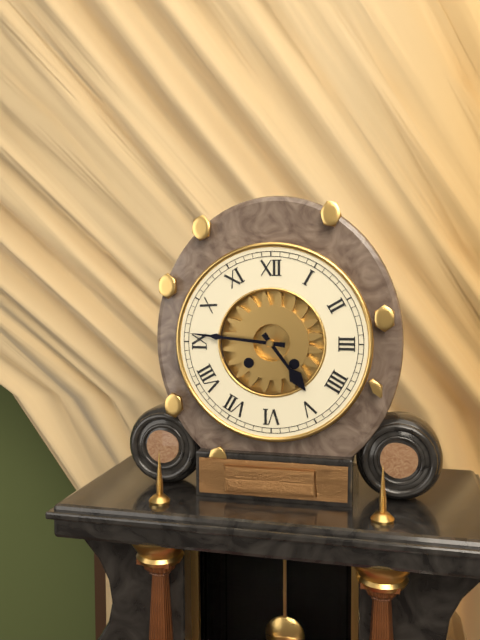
4,46
